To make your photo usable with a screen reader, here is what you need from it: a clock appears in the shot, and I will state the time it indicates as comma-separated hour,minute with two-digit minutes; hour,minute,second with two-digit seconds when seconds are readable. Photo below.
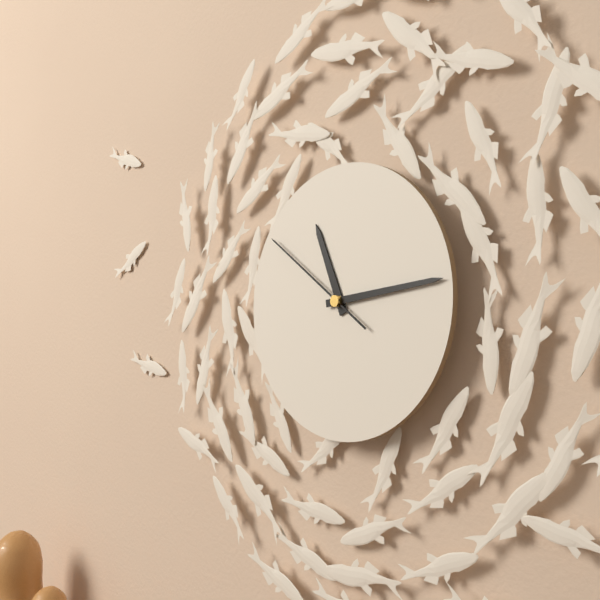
11,14,51
